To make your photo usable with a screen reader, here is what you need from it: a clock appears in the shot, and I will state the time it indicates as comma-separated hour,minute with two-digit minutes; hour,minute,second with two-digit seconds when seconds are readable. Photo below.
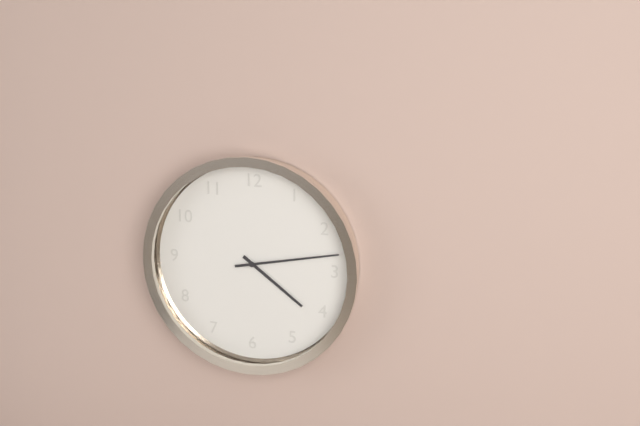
4,13
